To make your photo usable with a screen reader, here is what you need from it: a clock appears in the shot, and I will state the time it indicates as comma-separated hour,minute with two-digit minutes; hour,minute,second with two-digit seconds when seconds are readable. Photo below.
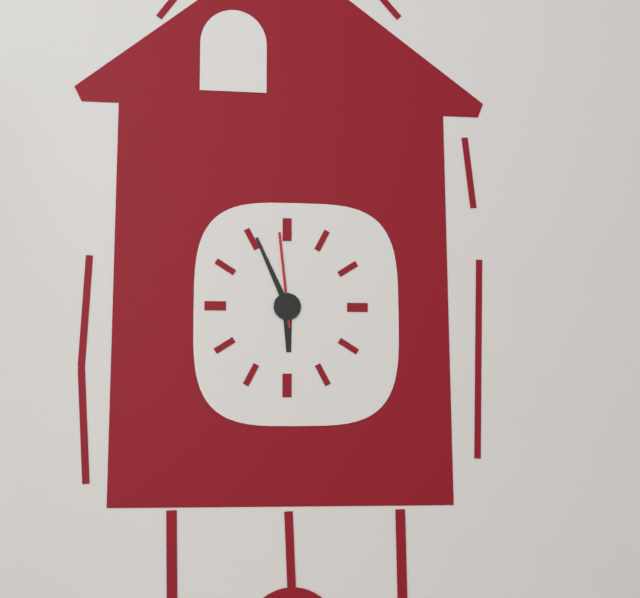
5,56,59
